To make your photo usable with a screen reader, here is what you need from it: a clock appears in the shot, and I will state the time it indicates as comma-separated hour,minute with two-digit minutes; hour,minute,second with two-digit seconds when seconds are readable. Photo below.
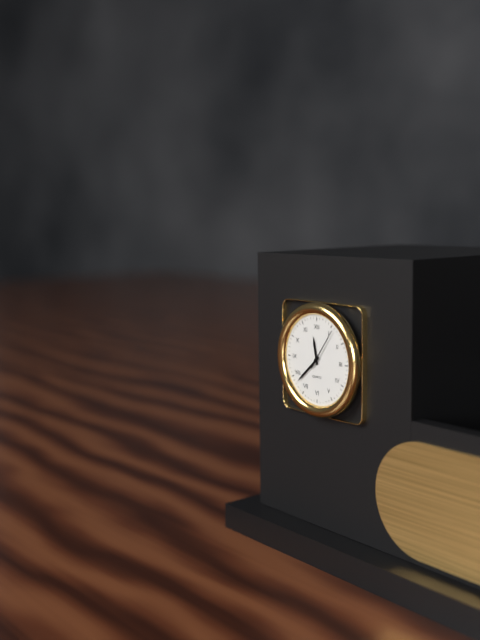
11,38
